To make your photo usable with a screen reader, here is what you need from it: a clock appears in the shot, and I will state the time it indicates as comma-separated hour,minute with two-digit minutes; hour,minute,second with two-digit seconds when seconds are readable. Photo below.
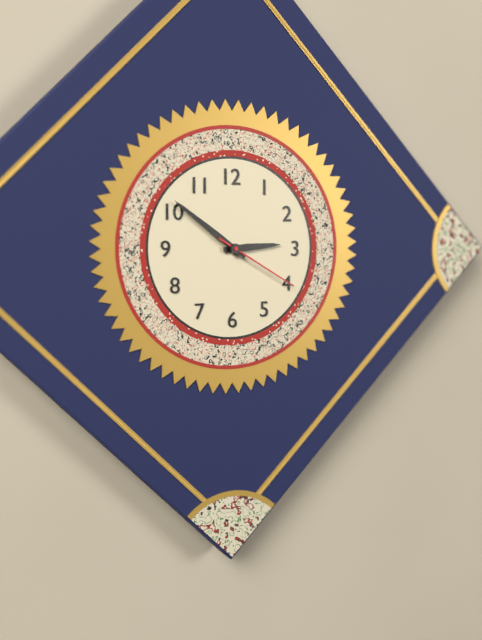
2,51,20
